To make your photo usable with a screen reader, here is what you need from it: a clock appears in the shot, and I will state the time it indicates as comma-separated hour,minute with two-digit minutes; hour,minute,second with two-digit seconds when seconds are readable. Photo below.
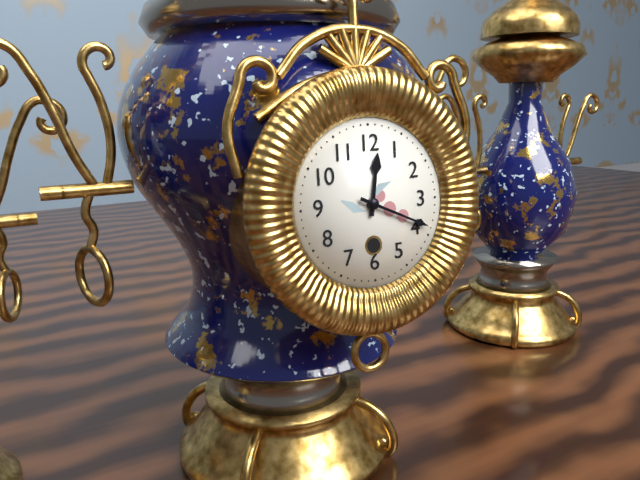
12,19
